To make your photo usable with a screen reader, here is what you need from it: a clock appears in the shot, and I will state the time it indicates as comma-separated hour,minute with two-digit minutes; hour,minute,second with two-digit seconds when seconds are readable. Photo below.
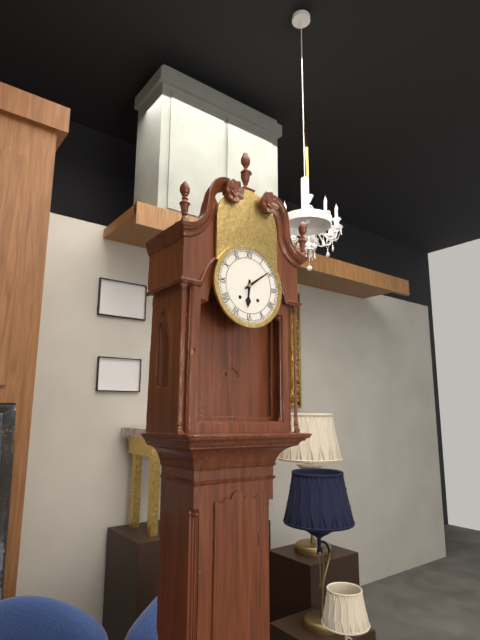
6,09
